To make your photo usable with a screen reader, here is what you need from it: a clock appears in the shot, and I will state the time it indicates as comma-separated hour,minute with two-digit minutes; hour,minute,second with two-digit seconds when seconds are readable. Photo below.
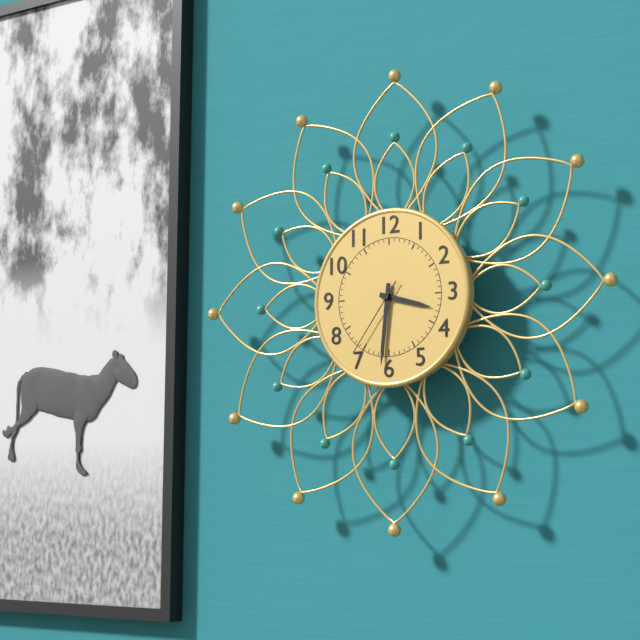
3,31,36
